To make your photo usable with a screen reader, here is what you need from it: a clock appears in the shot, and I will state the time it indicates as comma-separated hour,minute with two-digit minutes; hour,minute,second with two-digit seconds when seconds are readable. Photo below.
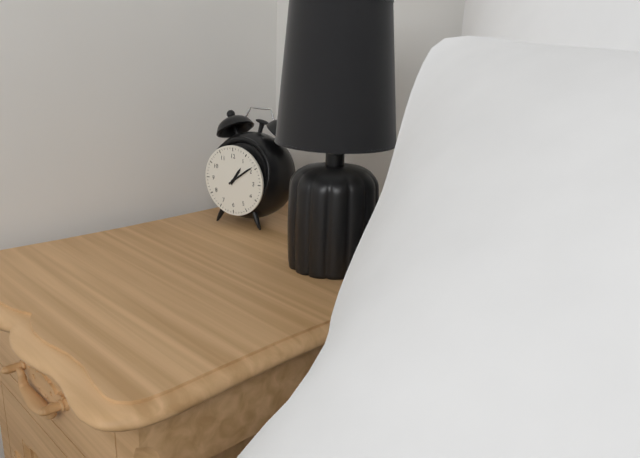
1,09
